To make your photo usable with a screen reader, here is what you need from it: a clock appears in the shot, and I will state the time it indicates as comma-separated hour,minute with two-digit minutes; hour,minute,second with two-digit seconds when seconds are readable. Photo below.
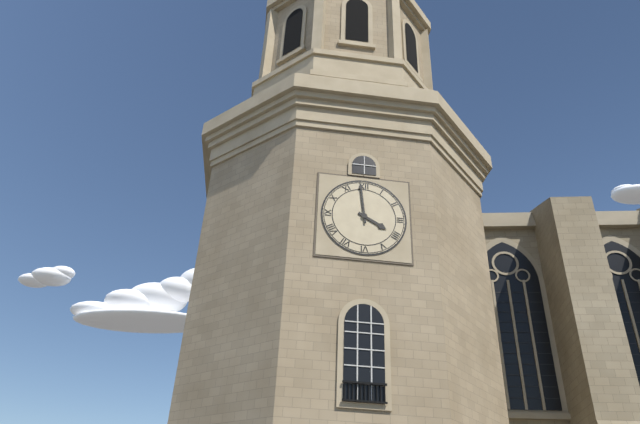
3,59
